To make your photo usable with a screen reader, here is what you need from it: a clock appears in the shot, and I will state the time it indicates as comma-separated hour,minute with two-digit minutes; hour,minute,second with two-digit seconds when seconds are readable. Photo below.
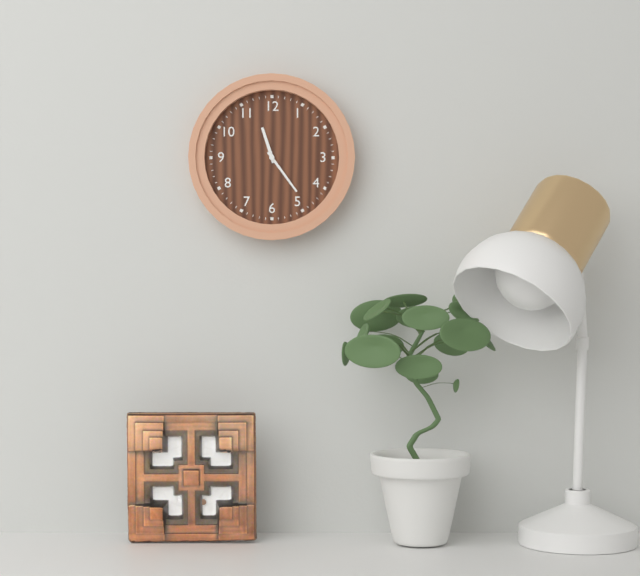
11,24
